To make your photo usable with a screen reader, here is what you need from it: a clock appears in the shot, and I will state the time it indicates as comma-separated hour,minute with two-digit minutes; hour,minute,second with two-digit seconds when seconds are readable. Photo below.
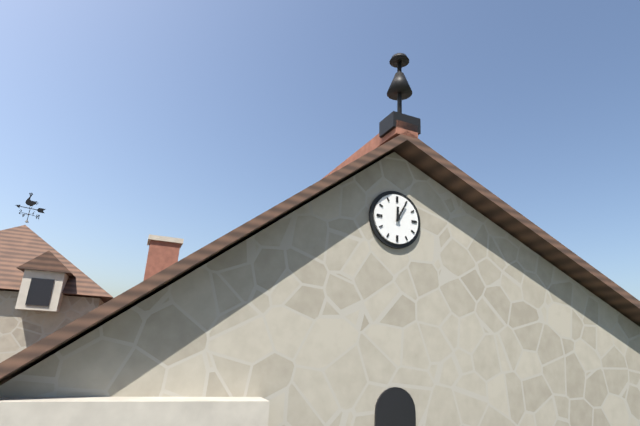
12,05
